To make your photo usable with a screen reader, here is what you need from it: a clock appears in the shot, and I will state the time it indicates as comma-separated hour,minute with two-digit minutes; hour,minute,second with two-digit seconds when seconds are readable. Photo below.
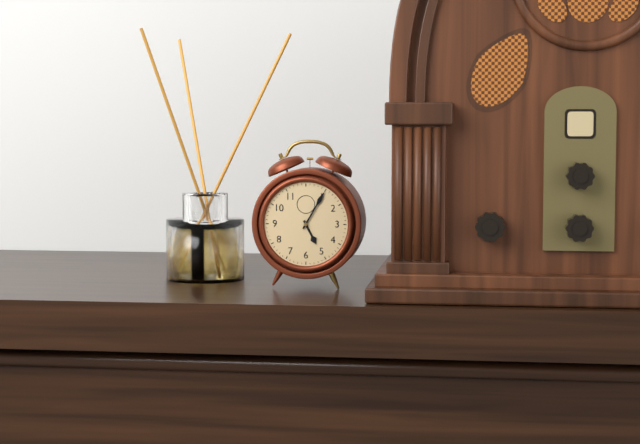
5,05
